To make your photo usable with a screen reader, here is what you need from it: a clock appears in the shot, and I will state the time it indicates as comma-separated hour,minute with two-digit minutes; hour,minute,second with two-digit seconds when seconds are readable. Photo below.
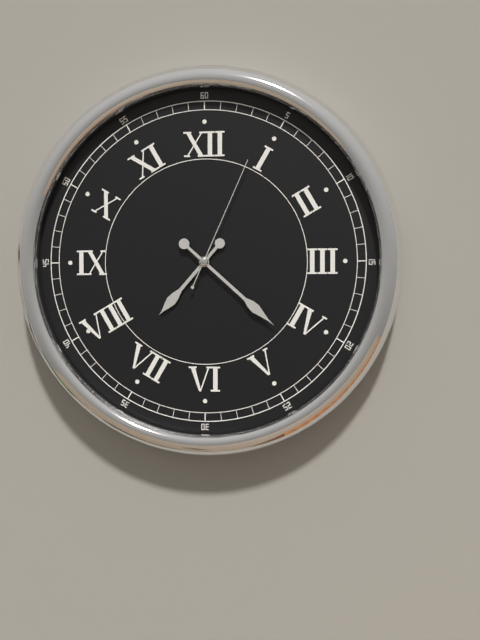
7,22,04
